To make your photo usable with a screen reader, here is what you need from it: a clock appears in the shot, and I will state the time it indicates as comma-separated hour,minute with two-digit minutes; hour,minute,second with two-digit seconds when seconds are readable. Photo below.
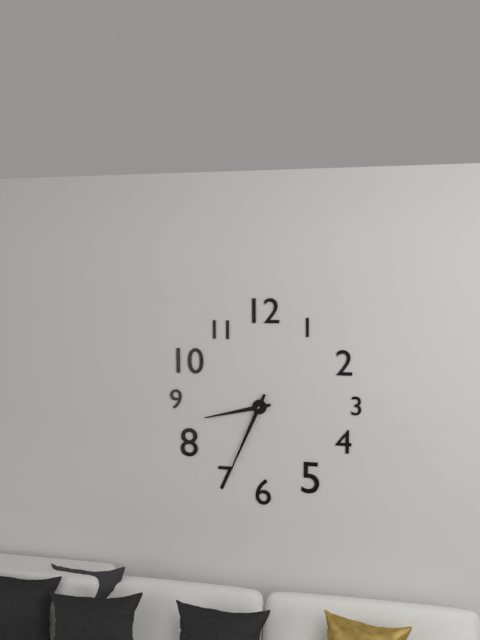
8,34
